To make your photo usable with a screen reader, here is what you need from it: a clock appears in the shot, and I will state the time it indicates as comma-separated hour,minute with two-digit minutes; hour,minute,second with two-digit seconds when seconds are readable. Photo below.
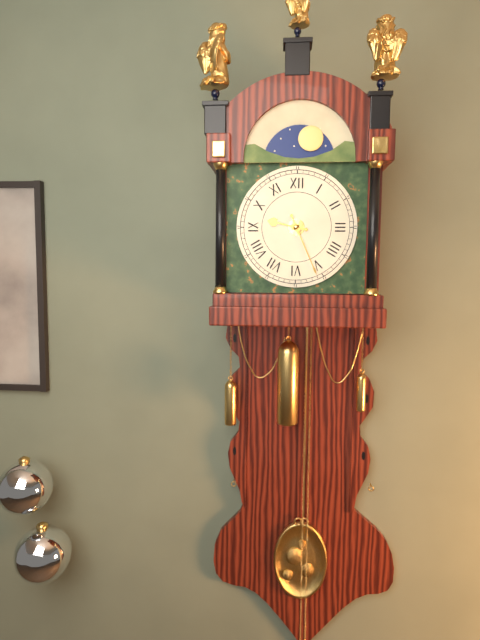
9,26
